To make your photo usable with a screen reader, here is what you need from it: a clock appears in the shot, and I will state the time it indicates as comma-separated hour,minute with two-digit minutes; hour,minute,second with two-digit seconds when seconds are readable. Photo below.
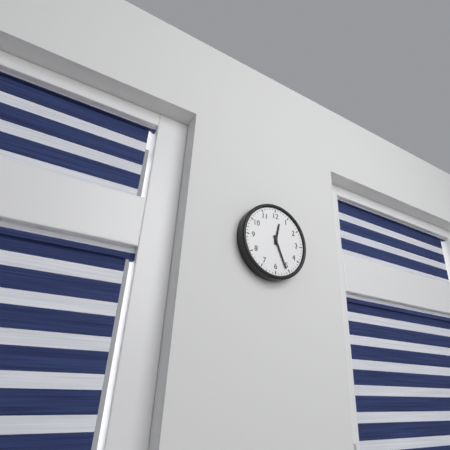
12,26
